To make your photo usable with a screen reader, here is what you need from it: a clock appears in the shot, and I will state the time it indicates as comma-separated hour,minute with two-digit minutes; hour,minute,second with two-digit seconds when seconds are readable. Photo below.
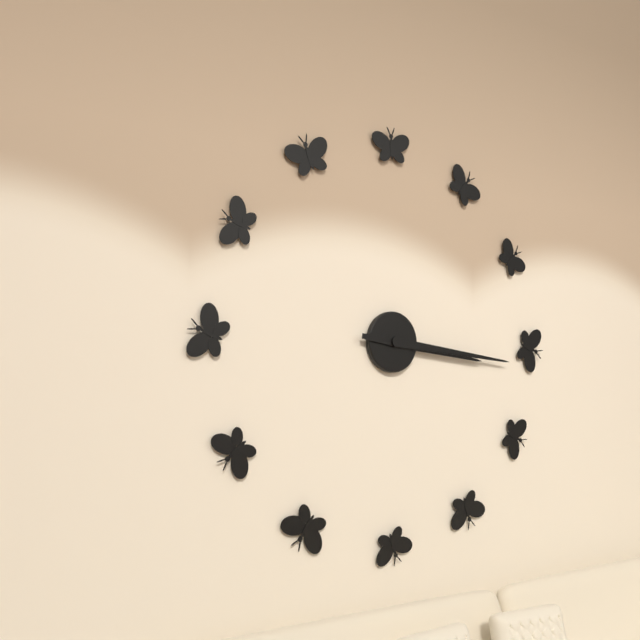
3,16
